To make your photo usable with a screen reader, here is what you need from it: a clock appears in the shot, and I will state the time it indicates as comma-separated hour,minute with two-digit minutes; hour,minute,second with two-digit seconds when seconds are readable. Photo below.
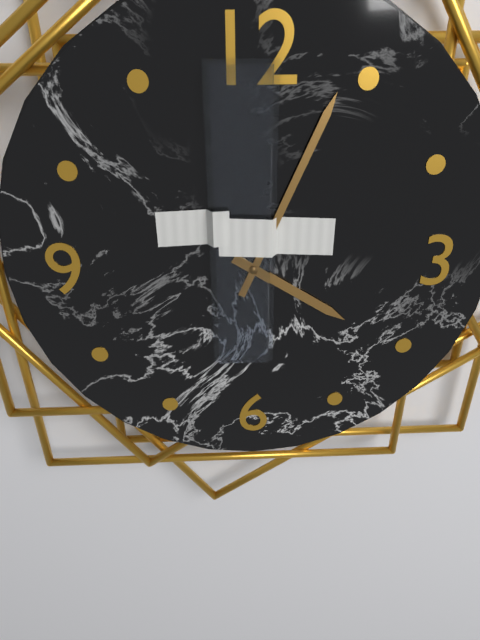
4,04
